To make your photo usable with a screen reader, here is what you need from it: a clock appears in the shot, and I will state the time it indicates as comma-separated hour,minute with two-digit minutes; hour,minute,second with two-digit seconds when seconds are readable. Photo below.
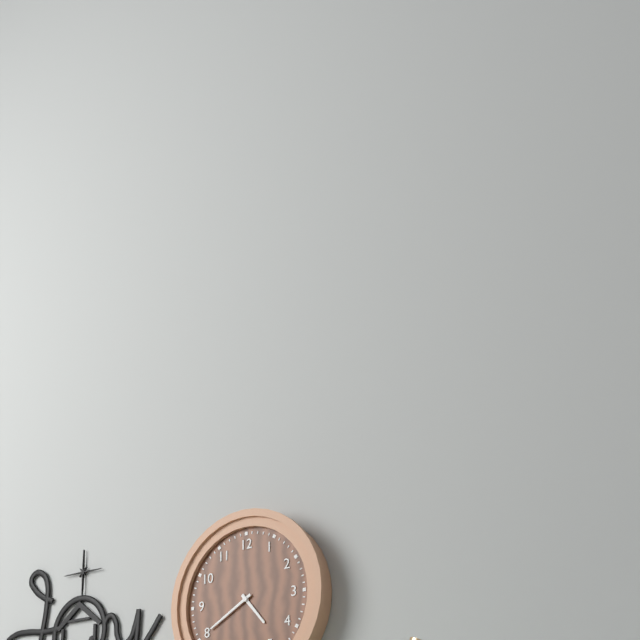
4,40
